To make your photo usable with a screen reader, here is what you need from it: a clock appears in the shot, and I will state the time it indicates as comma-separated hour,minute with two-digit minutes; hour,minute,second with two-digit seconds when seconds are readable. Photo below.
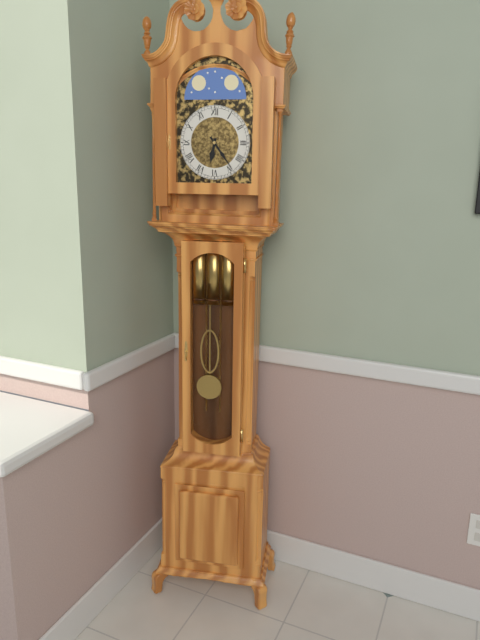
6,24
